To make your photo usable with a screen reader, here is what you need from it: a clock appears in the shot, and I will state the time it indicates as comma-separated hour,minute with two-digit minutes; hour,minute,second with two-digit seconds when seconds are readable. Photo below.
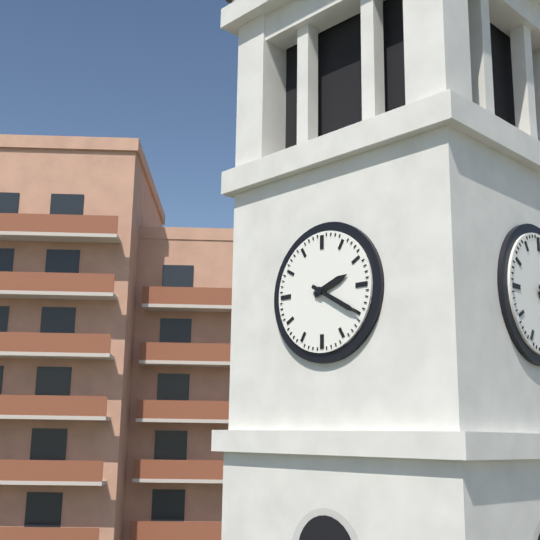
2,20
